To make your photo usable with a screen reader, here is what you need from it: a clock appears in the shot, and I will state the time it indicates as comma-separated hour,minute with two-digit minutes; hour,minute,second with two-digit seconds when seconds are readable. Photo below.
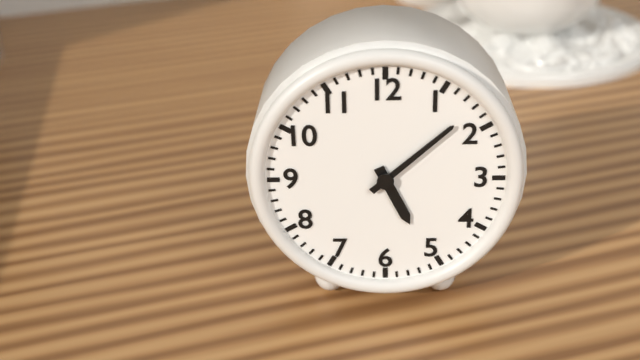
5,08
